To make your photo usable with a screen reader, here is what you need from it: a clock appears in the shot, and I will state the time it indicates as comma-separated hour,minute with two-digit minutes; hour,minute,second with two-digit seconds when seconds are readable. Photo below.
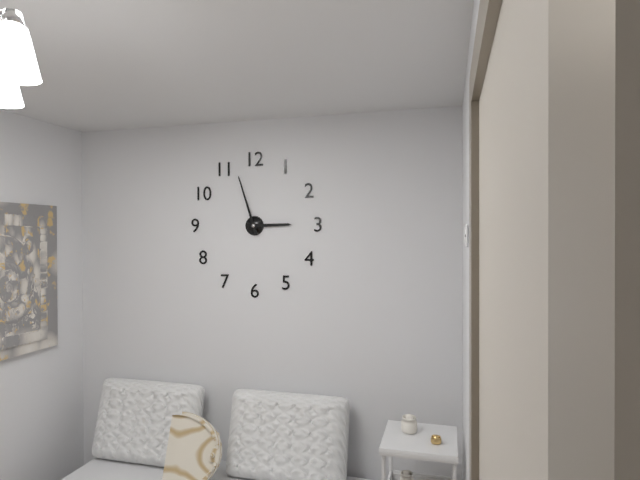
2,57
